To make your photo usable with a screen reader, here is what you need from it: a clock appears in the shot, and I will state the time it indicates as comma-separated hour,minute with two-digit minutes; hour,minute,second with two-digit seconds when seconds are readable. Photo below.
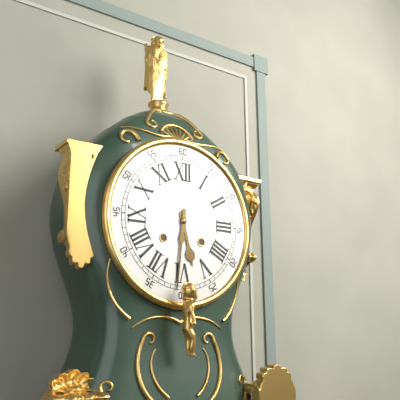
5,31
